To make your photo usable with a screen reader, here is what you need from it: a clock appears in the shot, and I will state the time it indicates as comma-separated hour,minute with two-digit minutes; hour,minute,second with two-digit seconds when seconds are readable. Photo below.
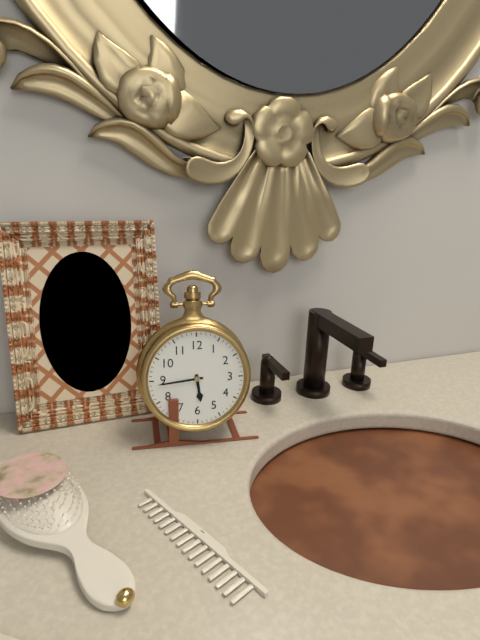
5,44
